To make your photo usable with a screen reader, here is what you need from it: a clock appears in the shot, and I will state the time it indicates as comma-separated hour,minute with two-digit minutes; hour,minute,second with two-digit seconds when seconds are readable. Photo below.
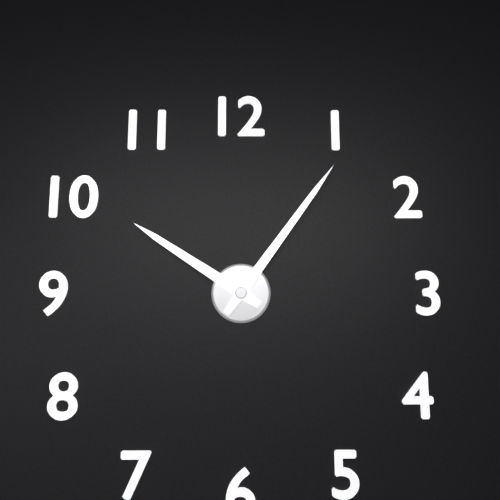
10,06
